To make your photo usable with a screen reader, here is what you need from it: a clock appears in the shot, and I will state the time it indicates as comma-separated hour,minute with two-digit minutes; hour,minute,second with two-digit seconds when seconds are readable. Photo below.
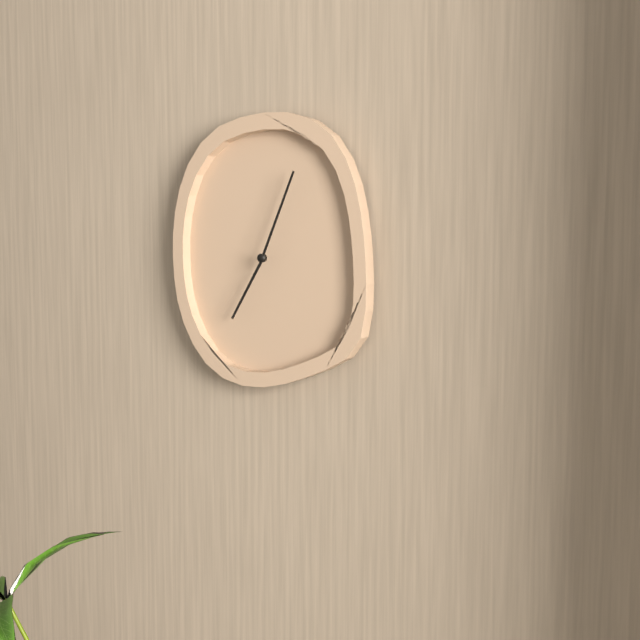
7,04
